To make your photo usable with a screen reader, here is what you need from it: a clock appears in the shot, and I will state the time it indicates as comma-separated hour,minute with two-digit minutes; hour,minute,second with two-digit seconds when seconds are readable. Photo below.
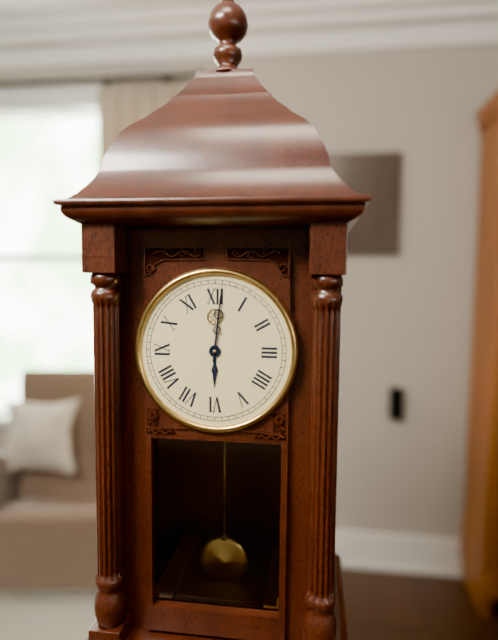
6,01
